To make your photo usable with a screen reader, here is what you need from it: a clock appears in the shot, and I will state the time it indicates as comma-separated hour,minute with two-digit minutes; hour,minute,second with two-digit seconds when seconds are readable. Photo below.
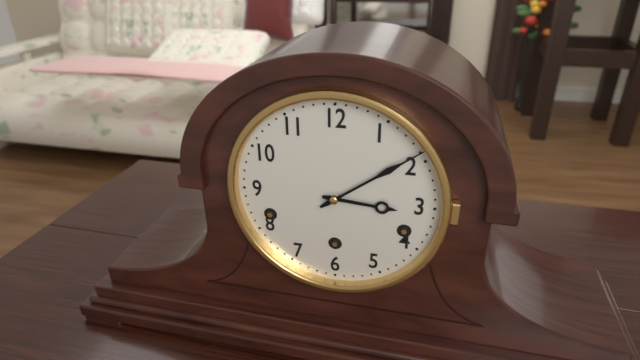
3,09
